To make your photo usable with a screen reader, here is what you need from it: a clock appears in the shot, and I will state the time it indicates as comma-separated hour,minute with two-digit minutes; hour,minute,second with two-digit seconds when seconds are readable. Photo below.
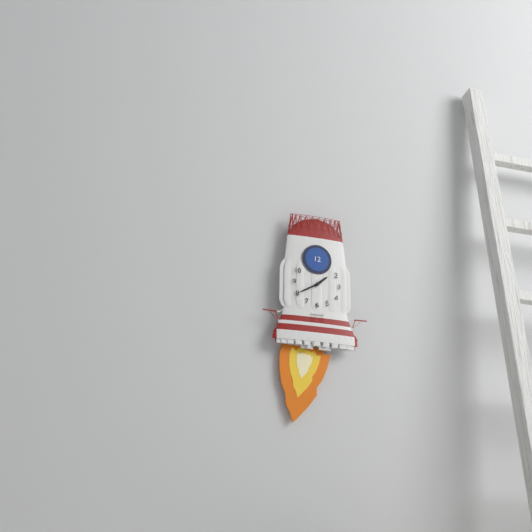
1,40
